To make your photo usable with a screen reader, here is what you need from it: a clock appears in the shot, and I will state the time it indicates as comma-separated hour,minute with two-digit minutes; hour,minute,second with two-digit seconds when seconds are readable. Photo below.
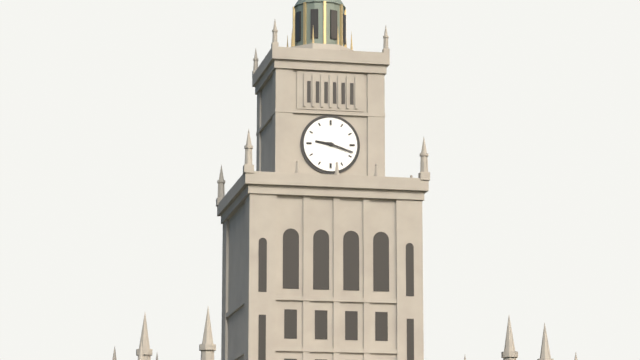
9,18
